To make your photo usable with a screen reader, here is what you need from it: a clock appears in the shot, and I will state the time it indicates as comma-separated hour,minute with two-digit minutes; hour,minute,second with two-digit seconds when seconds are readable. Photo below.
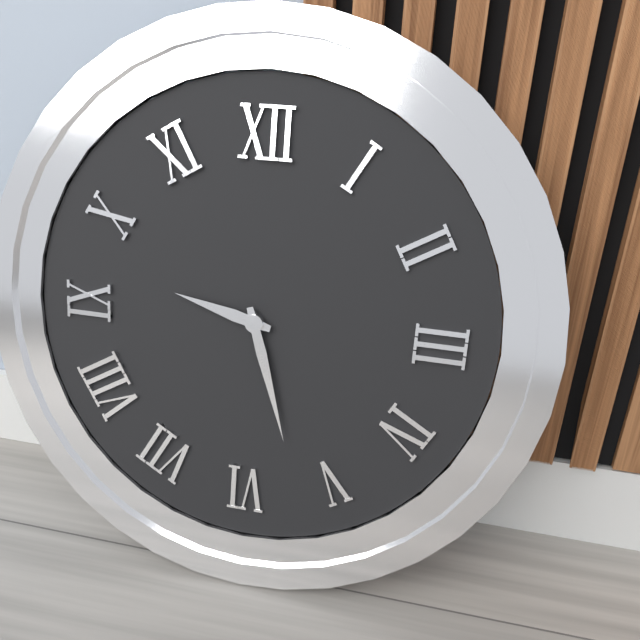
9,27
